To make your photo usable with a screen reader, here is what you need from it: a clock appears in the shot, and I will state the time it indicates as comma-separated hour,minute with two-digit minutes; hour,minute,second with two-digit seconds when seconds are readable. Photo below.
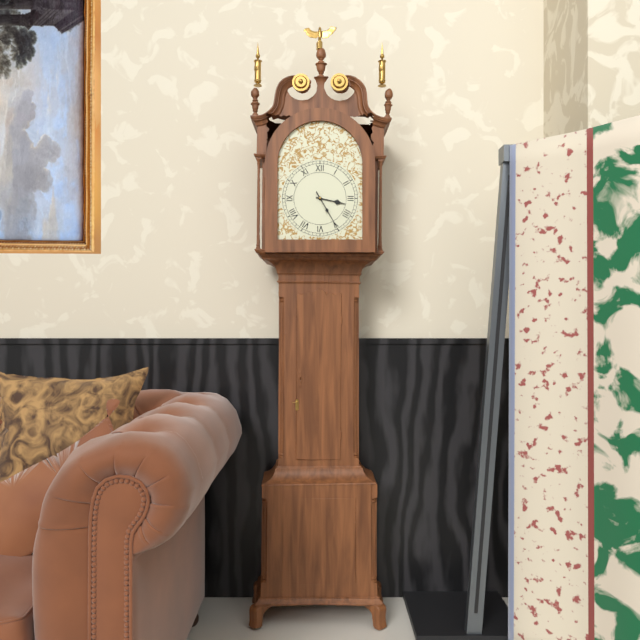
3,25
